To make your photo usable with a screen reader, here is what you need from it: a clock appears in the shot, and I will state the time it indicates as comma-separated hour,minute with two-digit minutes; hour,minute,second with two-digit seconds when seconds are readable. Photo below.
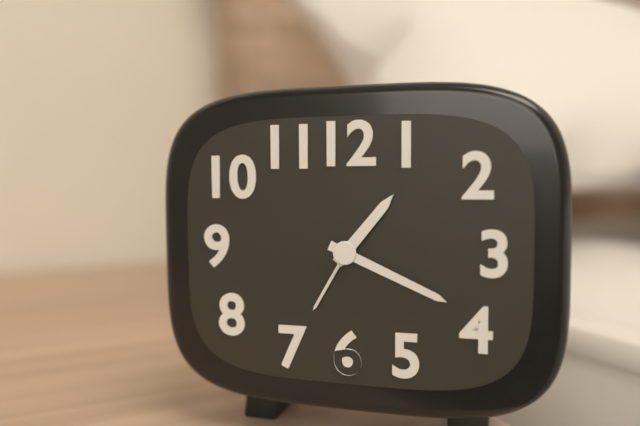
1,19
